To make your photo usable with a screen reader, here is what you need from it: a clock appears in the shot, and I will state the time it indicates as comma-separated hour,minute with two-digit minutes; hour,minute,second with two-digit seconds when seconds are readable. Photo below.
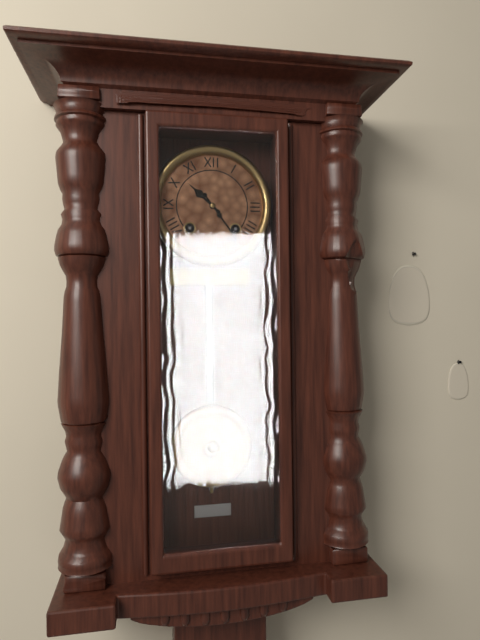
10,24
